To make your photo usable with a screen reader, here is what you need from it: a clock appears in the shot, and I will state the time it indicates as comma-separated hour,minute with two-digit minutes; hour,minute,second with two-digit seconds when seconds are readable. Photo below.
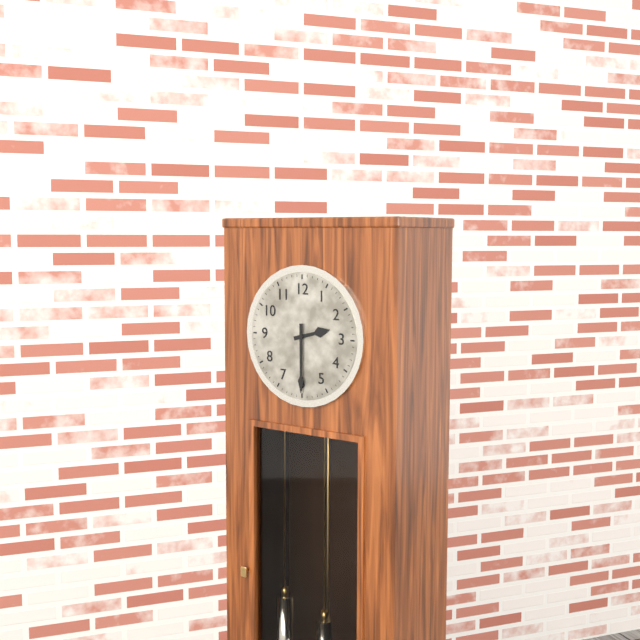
2,30
